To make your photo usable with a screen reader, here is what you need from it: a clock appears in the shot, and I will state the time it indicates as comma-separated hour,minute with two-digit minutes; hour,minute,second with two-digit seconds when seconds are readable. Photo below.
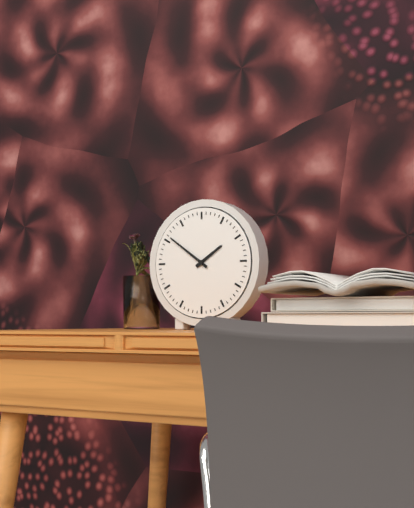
1,51
